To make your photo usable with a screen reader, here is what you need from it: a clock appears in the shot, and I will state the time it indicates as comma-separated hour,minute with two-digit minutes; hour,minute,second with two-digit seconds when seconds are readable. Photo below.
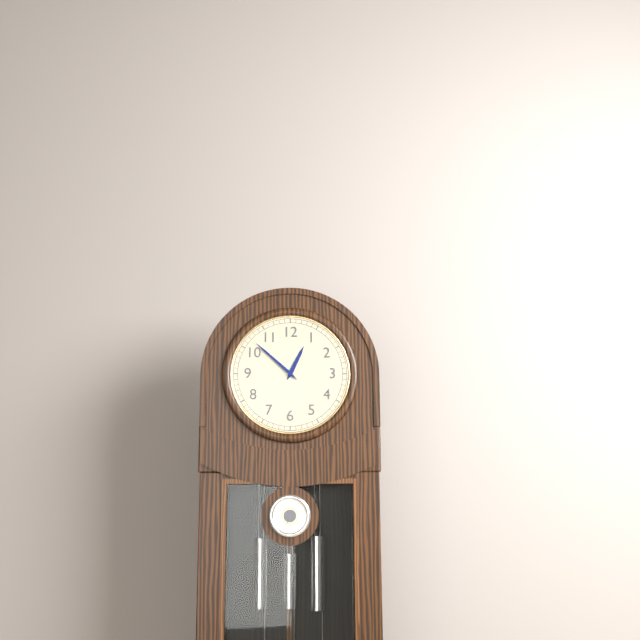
12,52
